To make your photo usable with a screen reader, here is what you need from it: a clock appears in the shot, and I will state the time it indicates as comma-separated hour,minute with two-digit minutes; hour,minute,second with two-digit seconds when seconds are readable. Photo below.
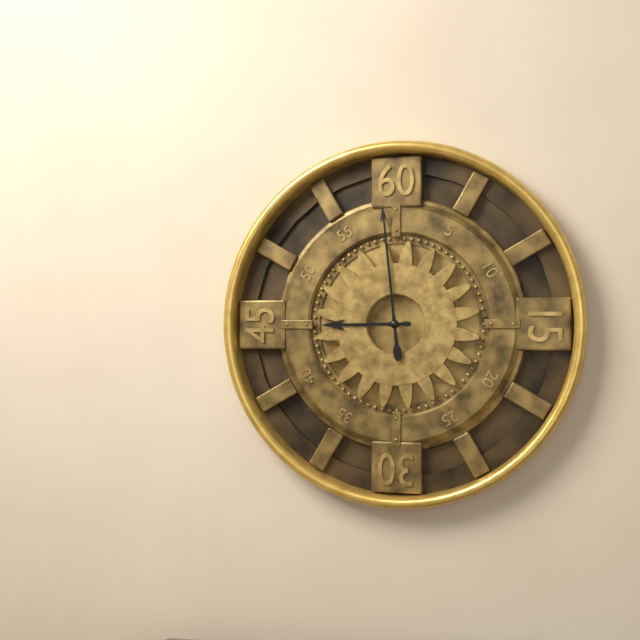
8,59
